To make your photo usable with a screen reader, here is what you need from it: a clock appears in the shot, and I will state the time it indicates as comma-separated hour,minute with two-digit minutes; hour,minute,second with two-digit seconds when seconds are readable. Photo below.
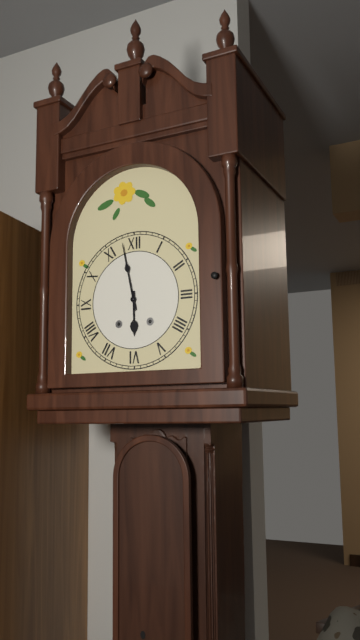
5,58
